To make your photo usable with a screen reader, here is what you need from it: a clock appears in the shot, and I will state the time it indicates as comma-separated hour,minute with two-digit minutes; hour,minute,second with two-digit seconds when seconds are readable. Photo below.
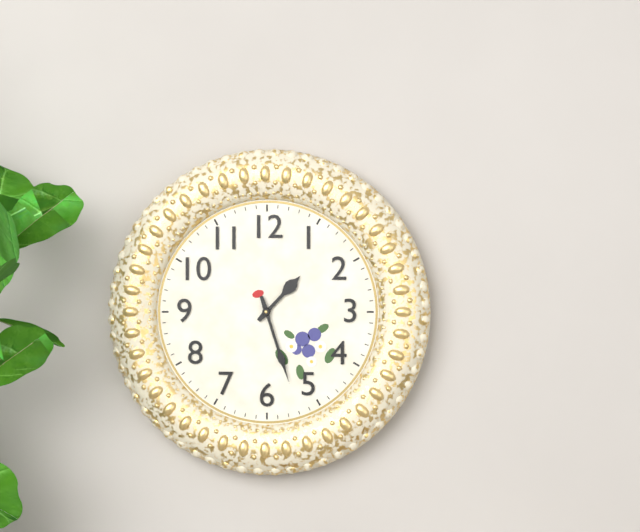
1,27
